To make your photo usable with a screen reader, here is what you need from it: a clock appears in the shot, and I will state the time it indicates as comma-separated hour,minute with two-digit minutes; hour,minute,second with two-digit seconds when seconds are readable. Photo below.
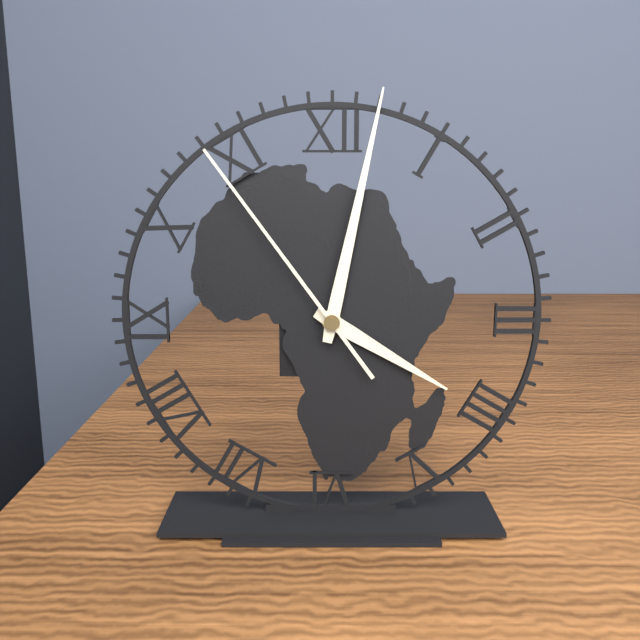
4,02,54
